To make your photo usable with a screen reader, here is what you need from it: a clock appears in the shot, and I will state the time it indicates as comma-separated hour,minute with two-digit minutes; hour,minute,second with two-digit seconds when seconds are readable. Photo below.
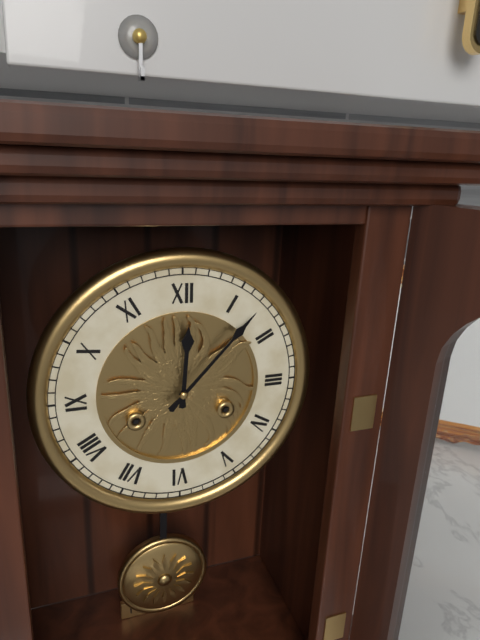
12,07
